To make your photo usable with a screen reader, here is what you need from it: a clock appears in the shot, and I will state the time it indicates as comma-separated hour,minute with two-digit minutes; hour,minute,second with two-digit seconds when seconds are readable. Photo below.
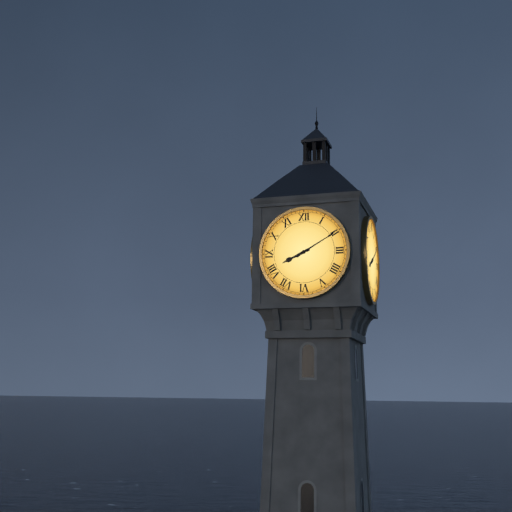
8,10
